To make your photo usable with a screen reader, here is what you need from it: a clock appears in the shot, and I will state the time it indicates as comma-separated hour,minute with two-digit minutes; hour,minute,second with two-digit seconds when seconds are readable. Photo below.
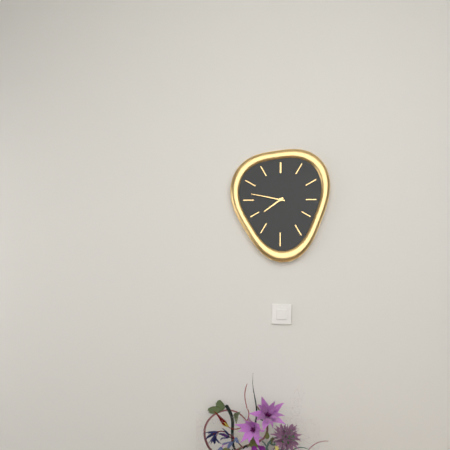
7,47
